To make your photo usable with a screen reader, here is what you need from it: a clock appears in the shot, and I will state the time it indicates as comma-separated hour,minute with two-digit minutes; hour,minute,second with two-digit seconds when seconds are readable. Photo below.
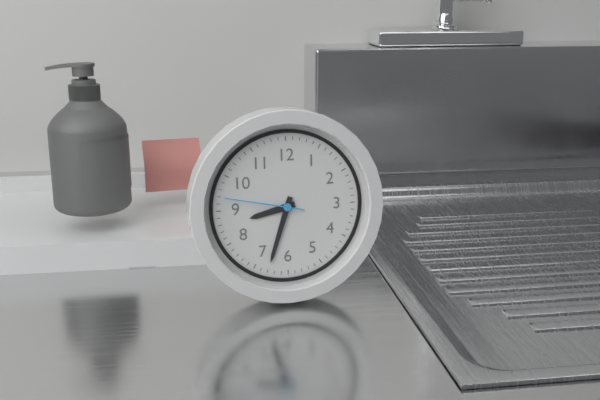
8,33,47
